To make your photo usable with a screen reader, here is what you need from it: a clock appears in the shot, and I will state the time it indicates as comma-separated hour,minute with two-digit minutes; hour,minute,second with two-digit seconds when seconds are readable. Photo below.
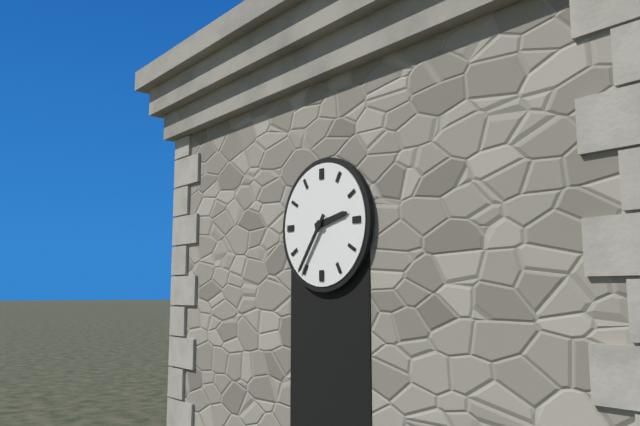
2,36
